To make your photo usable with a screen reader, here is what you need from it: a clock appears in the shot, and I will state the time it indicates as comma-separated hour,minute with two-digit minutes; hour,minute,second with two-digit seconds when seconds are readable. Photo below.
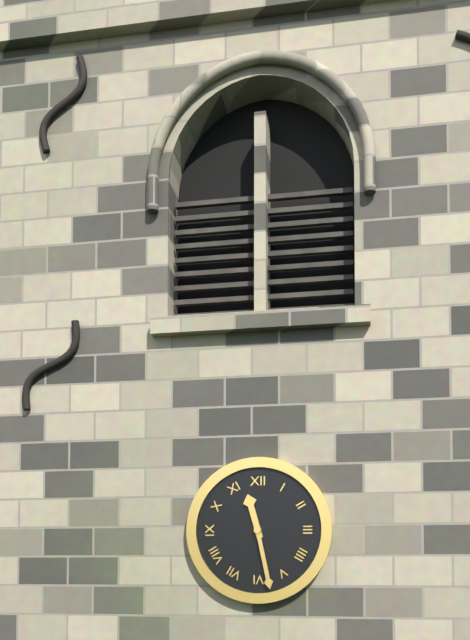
11,28
